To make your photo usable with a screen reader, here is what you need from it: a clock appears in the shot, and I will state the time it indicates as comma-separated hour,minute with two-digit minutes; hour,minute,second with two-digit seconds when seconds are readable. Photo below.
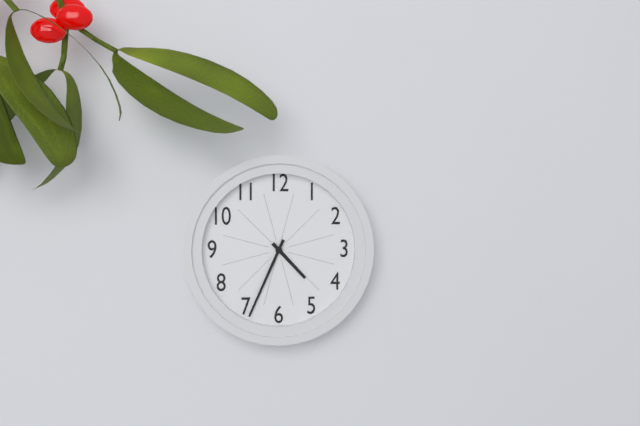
4,34
